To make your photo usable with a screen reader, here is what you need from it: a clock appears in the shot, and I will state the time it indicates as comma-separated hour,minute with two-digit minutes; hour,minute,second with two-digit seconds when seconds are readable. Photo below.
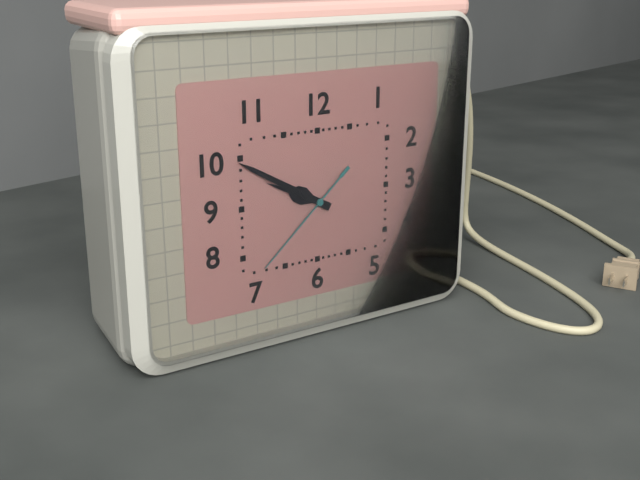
9,50,38
